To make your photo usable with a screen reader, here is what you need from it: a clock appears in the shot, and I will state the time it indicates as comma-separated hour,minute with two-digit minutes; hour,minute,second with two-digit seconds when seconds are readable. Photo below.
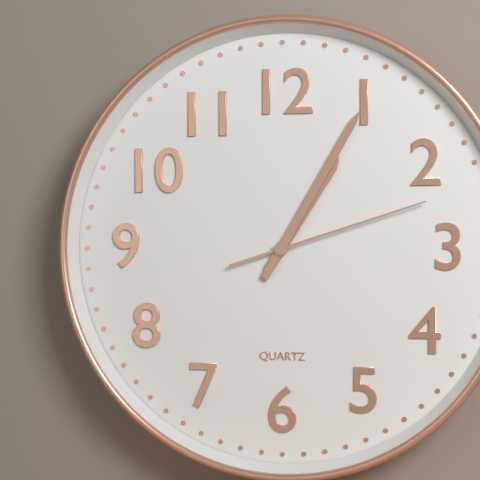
1,05,12
